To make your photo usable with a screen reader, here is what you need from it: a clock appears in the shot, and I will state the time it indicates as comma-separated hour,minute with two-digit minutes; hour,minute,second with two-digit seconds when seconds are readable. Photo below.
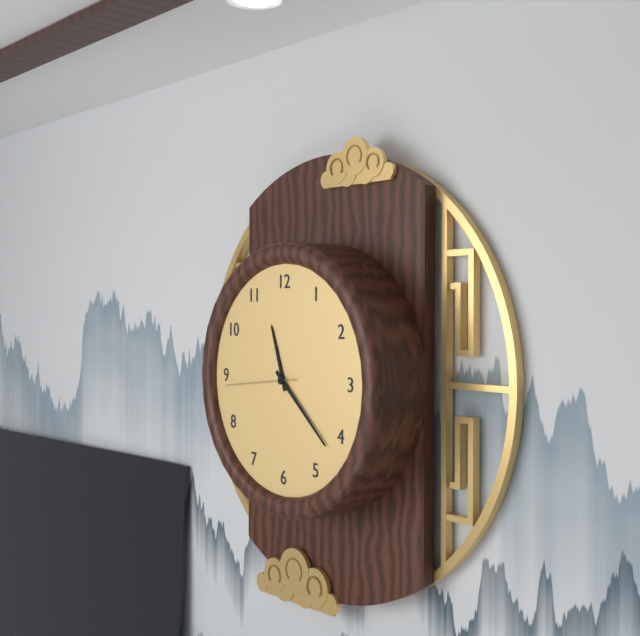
11,22,44
